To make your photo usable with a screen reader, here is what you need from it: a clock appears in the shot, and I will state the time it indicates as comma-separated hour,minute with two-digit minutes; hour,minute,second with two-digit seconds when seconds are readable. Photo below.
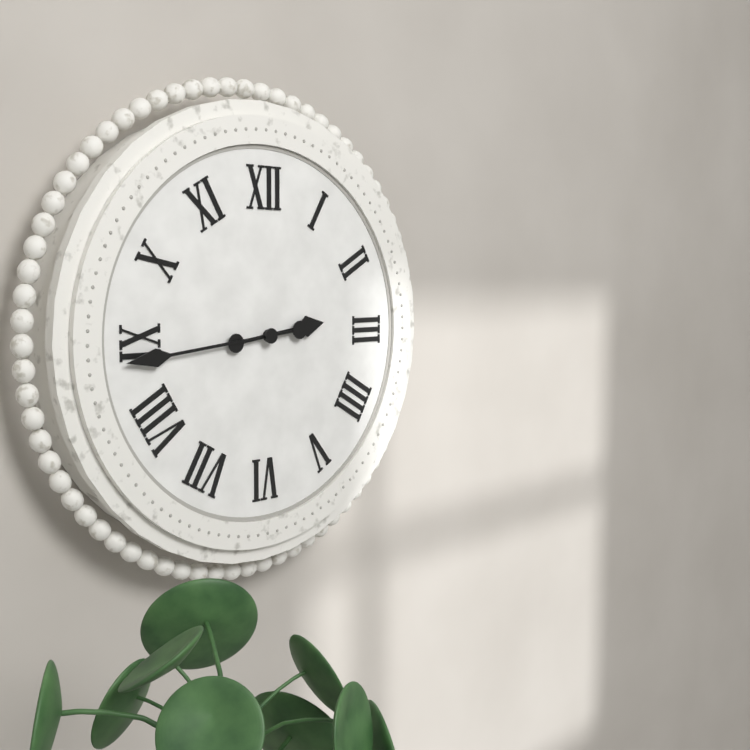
2,44
